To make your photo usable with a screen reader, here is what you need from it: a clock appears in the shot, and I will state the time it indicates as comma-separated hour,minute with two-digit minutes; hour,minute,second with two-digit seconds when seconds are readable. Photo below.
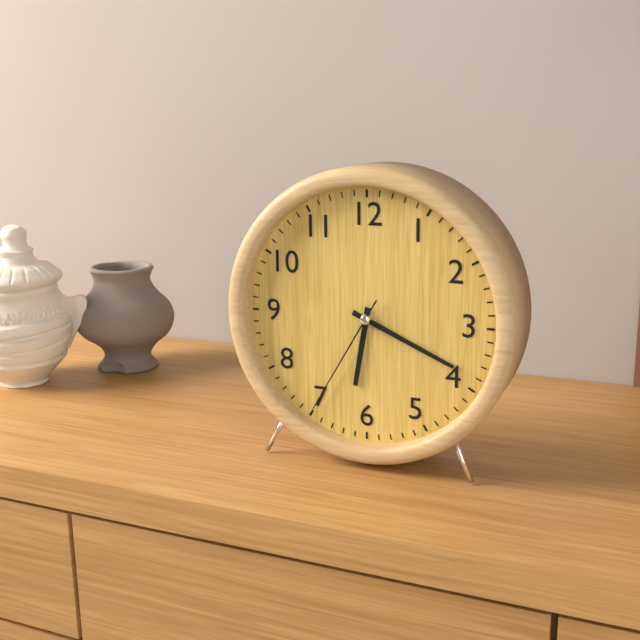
6,19,35
